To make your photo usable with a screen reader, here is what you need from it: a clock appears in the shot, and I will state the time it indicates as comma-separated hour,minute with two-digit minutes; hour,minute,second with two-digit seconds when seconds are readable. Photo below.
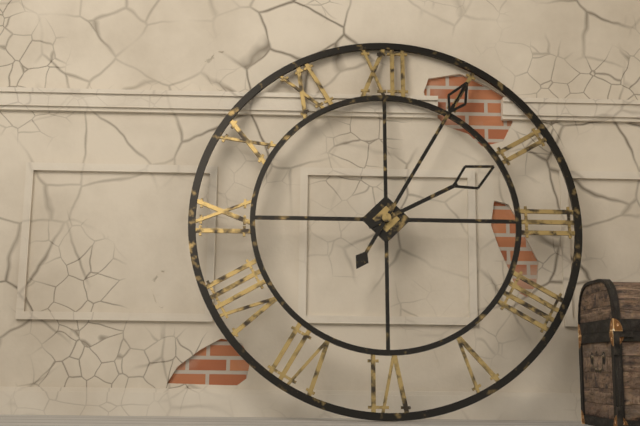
2,05
